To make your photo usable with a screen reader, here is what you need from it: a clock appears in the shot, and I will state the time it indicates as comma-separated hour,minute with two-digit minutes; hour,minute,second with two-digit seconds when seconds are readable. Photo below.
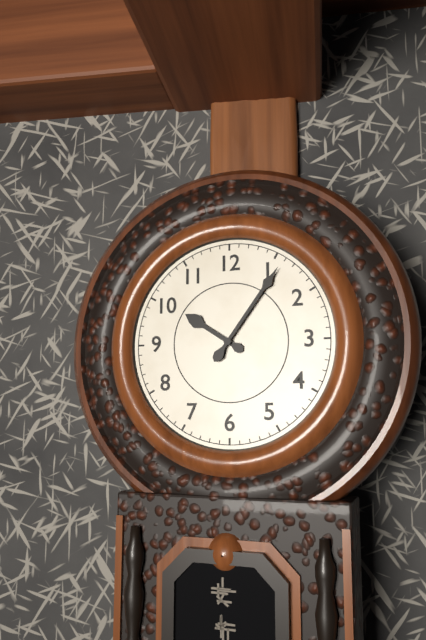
10,06
